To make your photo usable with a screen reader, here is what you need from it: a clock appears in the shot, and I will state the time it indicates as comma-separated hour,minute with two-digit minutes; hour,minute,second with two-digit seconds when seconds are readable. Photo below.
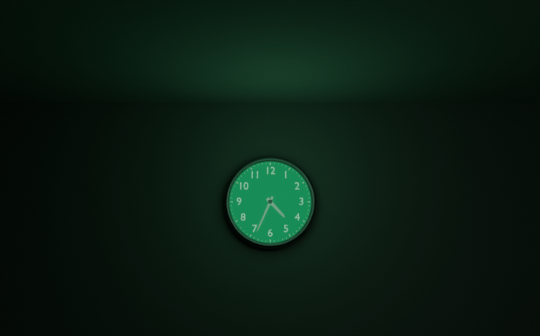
4,34
